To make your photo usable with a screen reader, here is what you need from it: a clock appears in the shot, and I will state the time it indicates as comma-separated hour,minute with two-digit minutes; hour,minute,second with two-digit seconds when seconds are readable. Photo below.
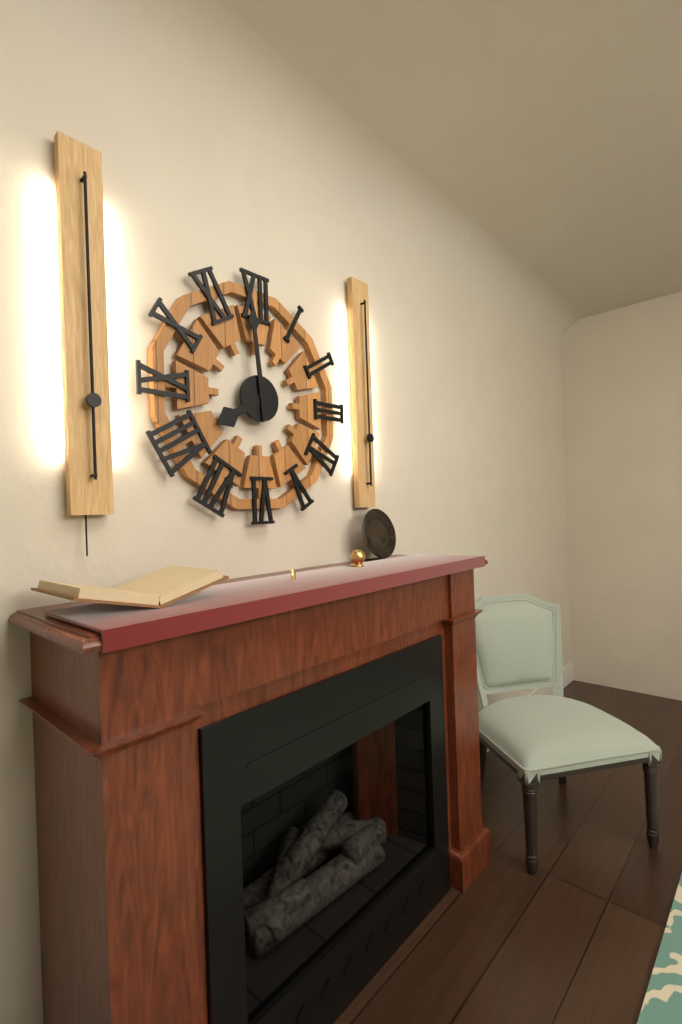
7,59
